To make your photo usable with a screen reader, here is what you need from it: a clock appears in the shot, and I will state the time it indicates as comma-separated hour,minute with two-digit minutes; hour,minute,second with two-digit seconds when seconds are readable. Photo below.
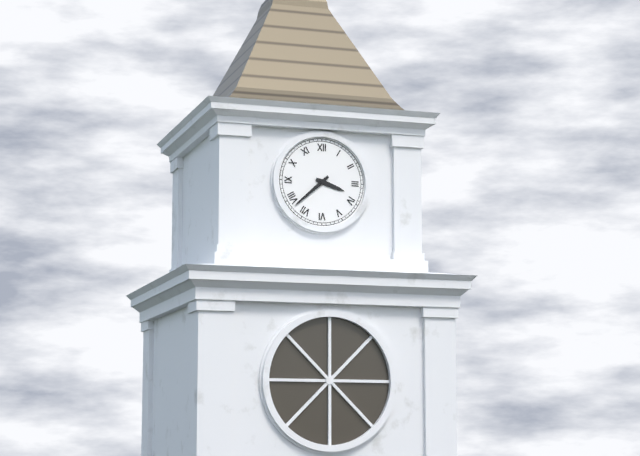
3,38
